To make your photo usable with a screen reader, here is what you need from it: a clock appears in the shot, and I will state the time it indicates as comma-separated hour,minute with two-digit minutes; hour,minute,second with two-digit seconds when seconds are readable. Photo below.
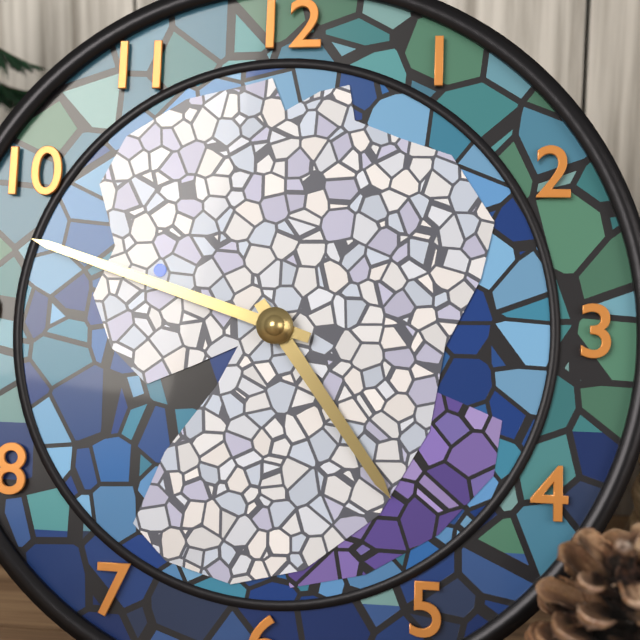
4,48
